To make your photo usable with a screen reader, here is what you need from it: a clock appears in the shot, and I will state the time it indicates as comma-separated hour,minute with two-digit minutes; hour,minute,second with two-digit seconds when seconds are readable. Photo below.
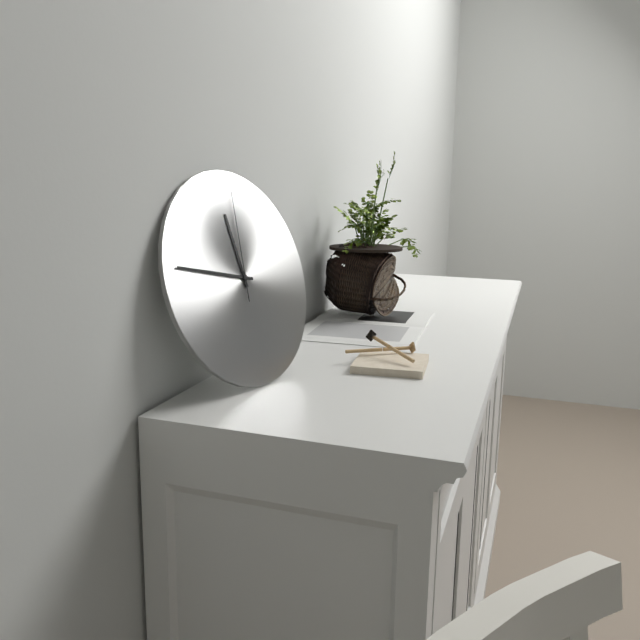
11,47,01
